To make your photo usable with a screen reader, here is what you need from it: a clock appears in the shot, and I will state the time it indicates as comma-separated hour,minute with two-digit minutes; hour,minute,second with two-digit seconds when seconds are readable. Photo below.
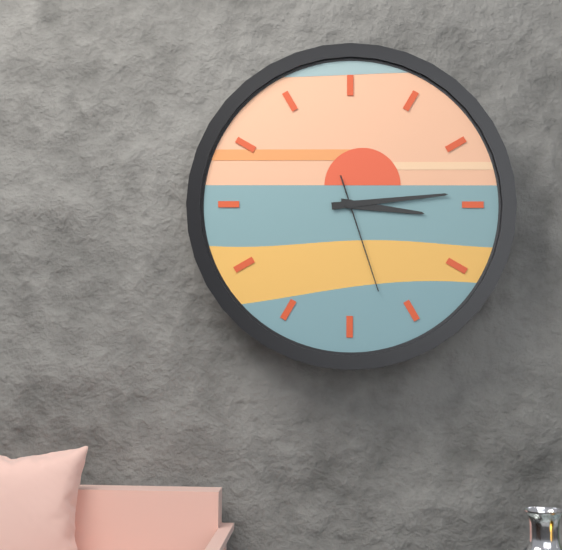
3,14,27
